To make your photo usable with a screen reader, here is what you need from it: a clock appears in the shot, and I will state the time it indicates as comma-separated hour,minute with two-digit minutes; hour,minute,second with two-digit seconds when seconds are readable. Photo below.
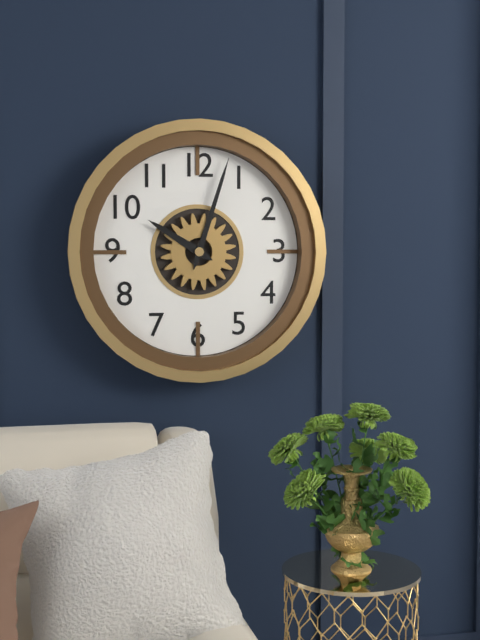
10,03
